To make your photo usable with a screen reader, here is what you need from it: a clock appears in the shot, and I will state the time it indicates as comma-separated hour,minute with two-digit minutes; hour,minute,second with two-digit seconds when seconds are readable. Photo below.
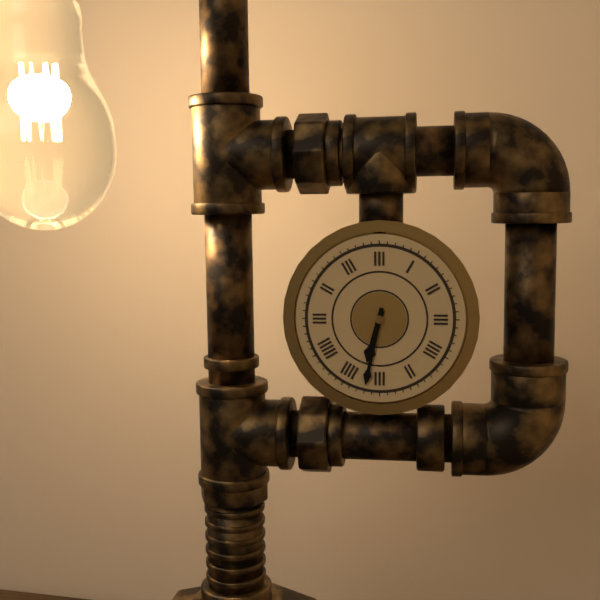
6,32
